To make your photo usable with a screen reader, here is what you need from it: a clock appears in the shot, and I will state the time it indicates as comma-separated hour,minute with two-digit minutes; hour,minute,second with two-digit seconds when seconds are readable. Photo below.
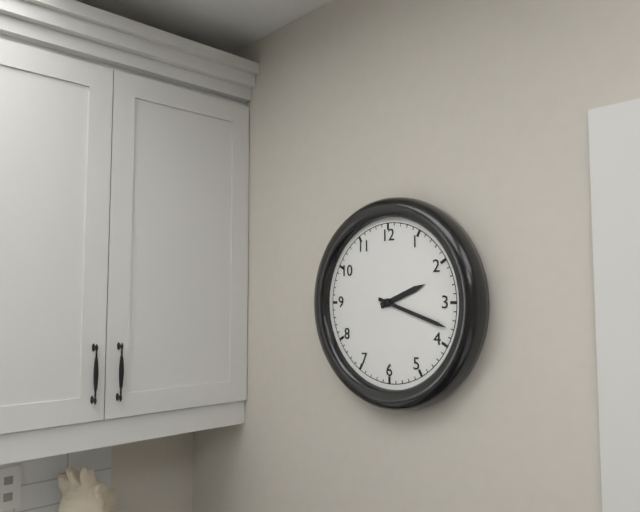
2,18
